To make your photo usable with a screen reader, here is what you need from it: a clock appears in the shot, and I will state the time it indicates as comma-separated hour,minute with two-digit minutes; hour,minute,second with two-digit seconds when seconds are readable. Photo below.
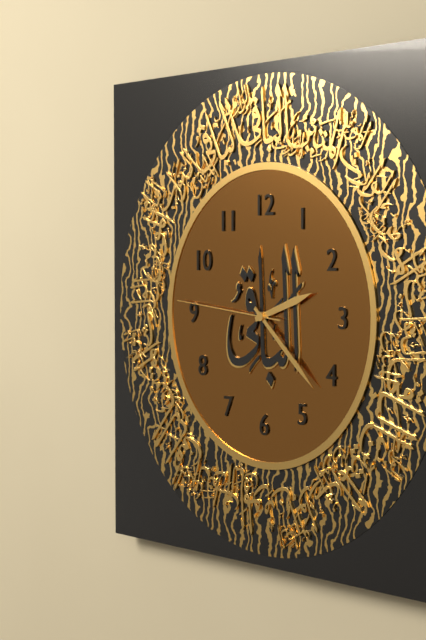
2,22,46
